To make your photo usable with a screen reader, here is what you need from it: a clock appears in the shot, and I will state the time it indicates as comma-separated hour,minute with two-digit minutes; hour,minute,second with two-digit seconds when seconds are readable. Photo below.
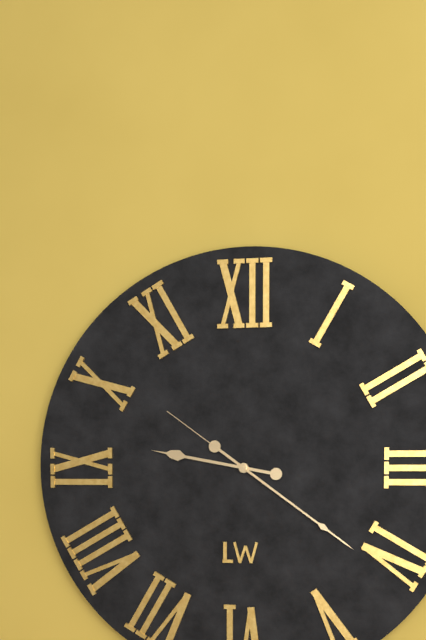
9,21,51
